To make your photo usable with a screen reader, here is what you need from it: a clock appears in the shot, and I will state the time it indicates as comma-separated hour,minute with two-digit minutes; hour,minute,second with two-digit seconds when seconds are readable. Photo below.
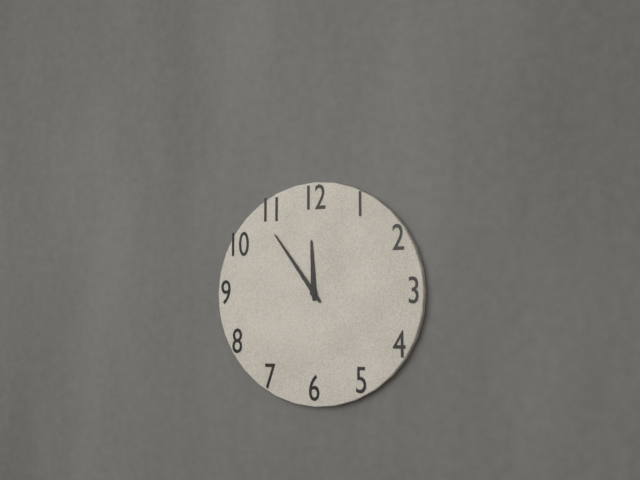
11,54
